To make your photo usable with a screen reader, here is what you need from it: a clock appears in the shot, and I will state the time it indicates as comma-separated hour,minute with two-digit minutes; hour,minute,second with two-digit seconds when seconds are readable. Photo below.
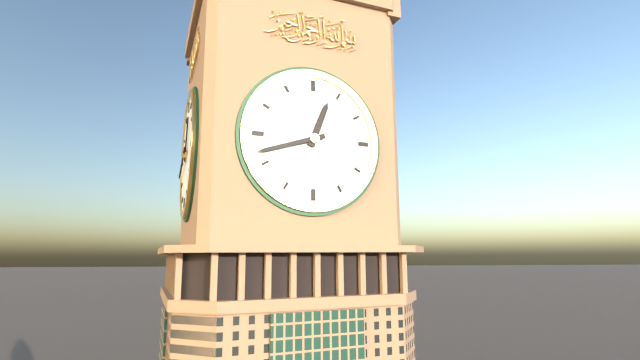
12,42
